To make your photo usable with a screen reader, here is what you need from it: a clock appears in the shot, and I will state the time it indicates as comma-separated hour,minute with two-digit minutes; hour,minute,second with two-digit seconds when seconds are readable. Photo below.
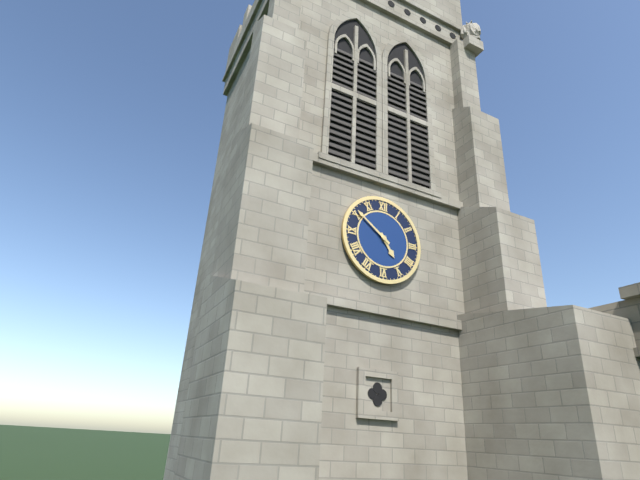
4,51
